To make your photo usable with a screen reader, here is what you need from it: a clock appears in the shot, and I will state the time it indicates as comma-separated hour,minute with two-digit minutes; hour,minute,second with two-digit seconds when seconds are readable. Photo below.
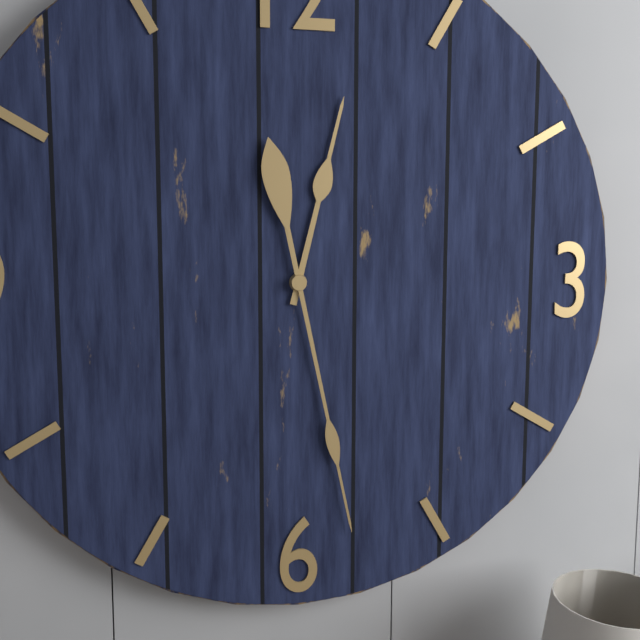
12,28
